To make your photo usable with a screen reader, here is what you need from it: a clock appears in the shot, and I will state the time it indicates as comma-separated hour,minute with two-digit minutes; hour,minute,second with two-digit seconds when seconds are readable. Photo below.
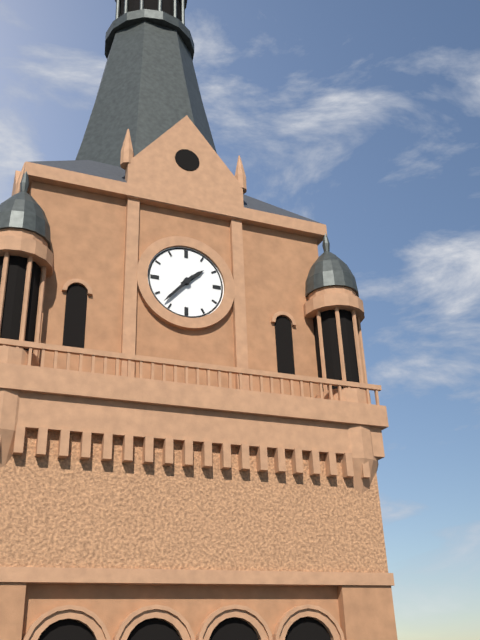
1,37
